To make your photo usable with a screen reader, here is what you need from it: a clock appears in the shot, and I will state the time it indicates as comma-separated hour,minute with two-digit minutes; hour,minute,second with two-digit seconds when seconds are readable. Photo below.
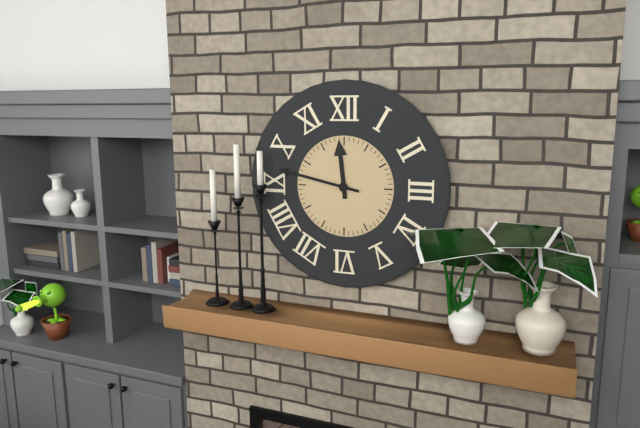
11,47
